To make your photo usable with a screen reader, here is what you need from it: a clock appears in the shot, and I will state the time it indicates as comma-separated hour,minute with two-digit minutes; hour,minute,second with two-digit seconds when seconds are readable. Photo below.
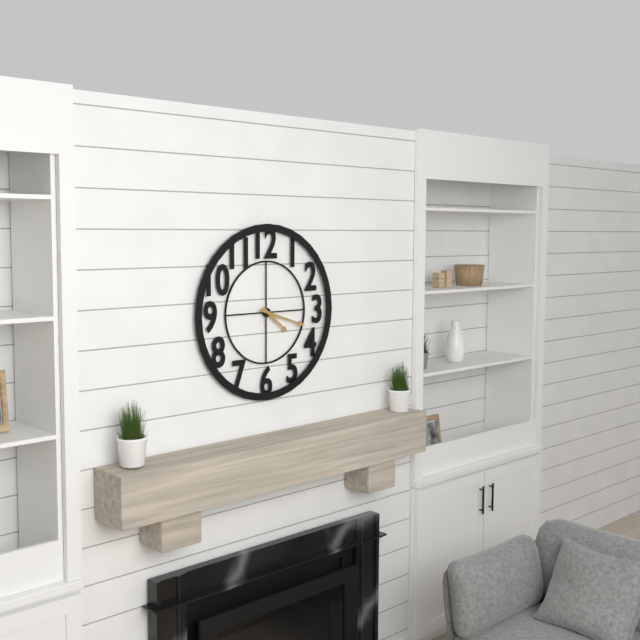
4,18
